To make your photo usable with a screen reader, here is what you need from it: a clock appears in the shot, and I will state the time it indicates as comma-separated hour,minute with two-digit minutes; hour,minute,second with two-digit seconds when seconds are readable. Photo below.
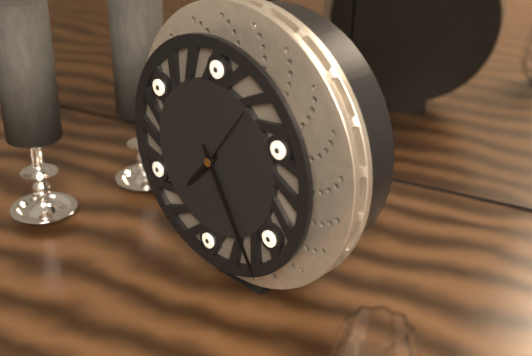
7,25
